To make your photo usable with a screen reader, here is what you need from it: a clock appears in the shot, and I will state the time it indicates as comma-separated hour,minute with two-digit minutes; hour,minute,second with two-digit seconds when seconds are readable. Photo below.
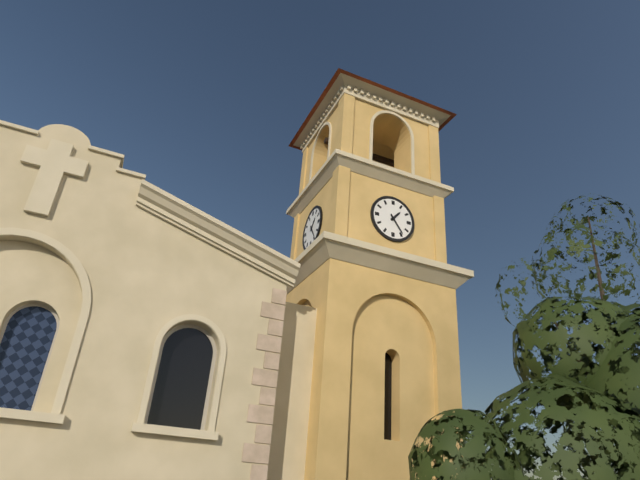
1,24
